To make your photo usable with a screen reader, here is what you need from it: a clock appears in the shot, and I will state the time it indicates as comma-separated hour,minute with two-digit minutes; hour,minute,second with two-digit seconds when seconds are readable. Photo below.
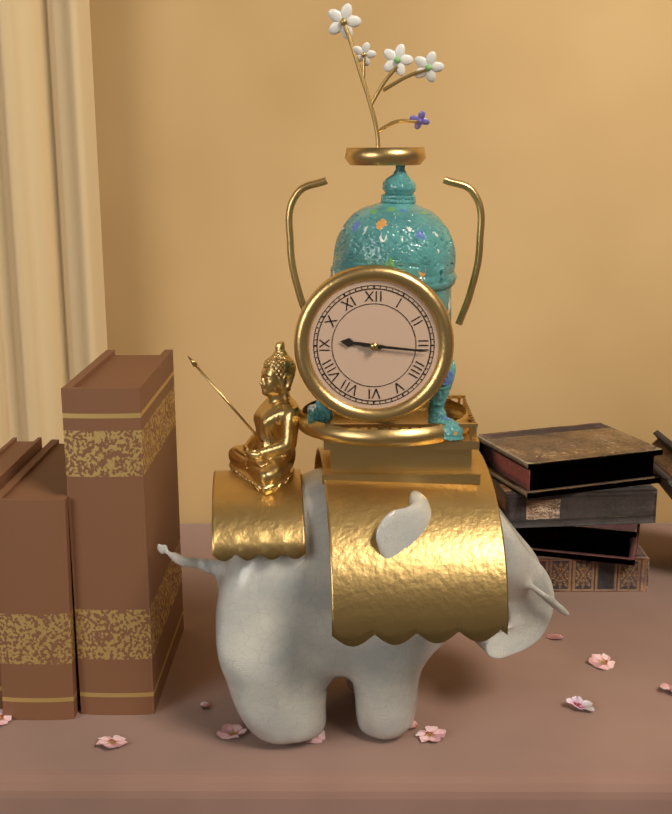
9,16
